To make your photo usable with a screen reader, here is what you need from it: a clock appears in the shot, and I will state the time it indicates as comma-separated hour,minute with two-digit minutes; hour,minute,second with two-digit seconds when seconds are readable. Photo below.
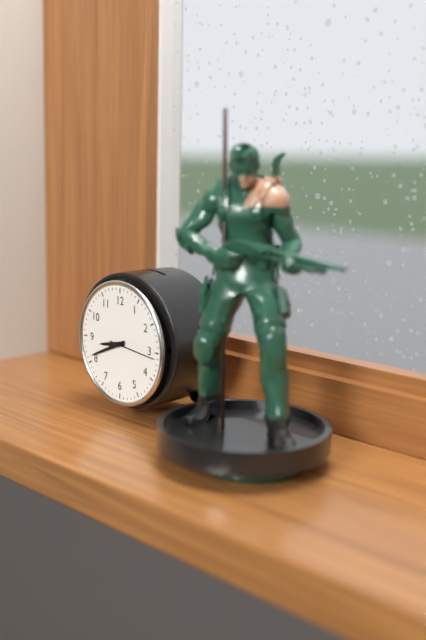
8,41
